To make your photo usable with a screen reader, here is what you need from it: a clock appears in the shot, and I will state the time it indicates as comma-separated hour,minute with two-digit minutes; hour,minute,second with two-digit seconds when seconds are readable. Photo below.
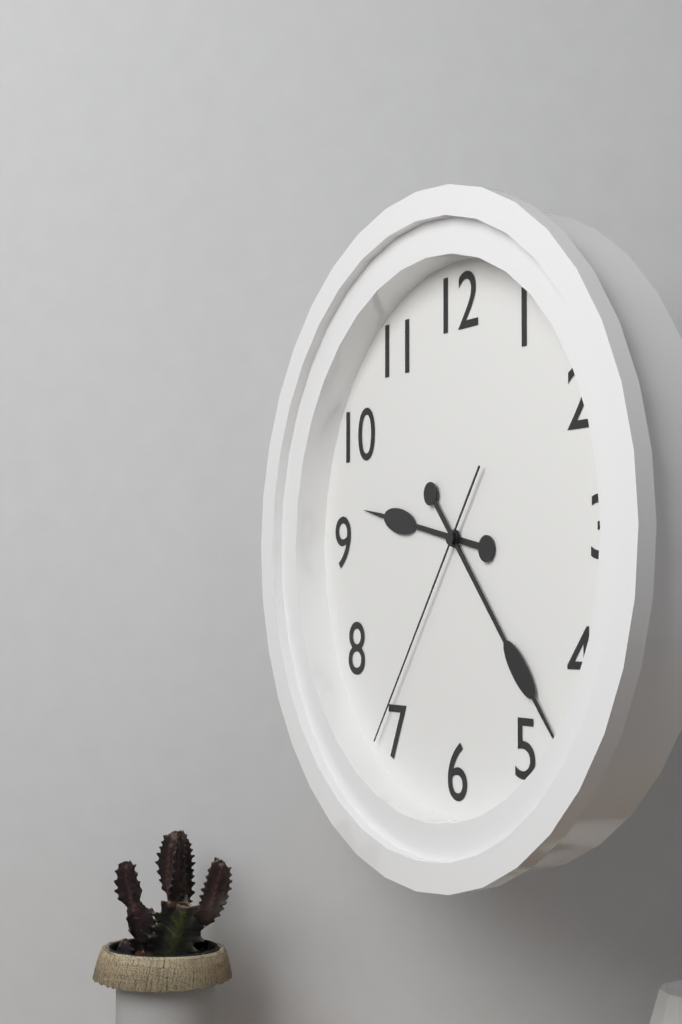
9,23,36
